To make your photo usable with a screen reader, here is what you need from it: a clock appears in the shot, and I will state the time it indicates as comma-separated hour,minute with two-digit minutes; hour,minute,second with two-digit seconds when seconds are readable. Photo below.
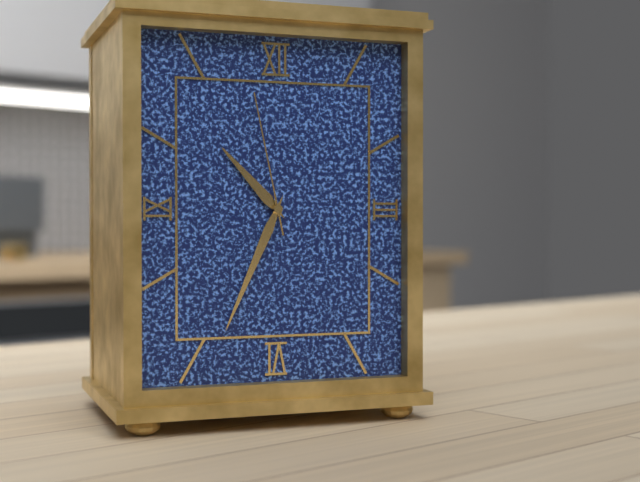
10,34,58
